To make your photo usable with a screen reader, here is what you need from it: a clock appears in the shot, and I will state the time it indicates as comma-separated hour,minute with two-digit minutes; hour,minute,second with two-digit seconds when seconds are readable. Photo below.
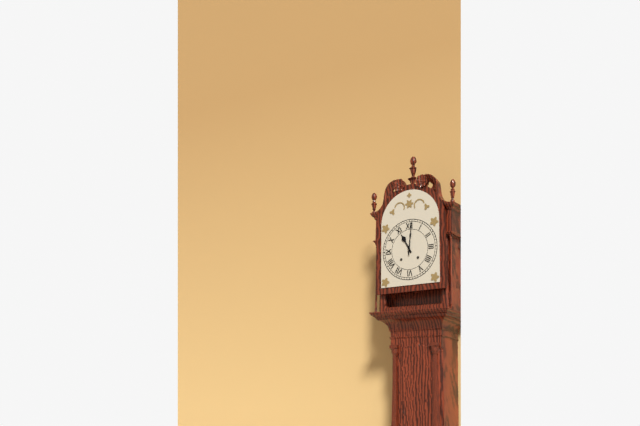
11,01
